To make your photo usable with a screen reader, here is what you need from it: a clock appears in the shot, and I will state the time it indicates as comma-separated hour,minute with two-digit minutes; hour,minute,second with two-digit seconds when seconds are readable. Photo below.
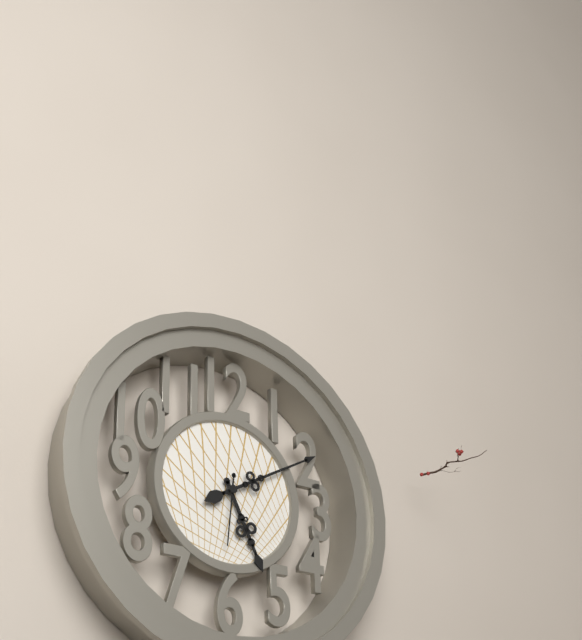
5,10,31
